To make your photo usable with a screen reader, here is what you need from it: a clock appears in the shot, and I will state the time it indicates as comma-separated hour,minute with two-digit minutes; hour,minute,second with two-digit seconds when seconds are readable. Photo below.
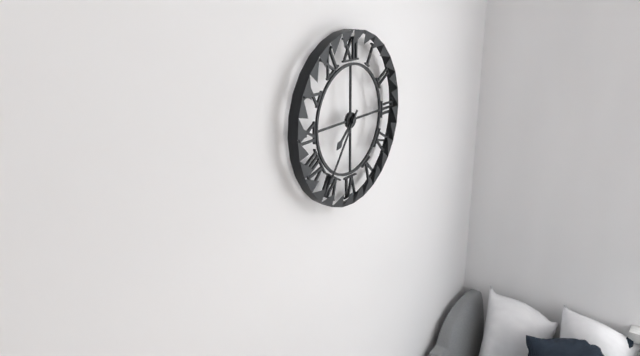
7,36
